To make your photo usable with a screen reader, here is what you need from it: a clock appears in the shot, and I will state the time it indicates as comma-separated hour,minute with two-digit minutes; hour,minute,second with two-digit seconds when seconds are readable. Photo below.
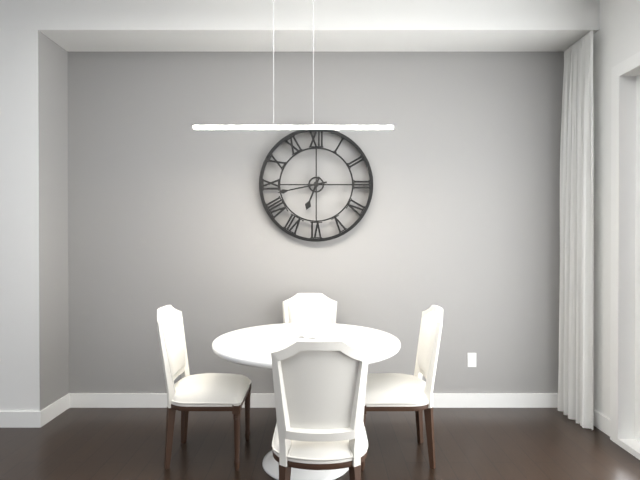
6,43
